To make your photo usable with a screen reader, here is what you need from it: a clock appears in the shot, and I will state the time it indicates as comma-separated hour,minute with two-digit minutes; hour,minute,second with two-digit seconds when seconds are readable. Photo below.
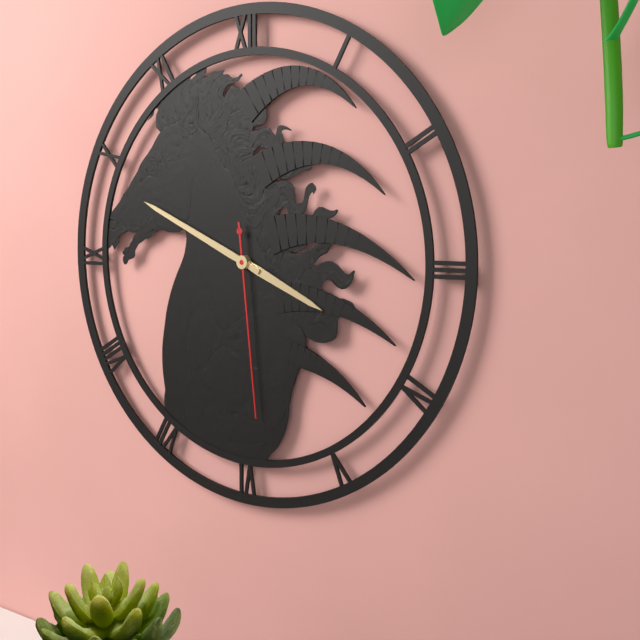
3,49,29
